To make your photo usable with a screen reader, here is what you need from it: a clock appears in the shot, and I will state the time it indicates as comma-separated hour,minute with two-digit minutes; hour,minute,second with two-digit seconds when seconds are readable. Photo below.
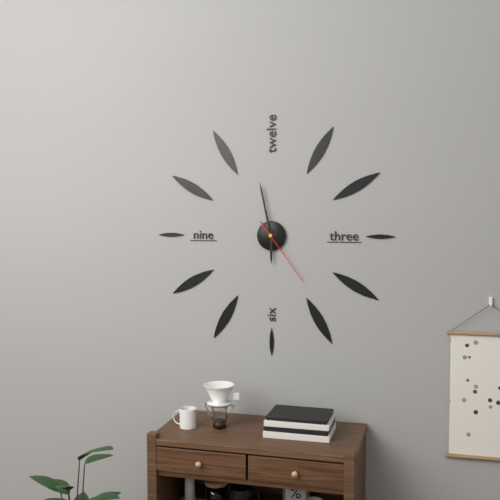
5,58,24
